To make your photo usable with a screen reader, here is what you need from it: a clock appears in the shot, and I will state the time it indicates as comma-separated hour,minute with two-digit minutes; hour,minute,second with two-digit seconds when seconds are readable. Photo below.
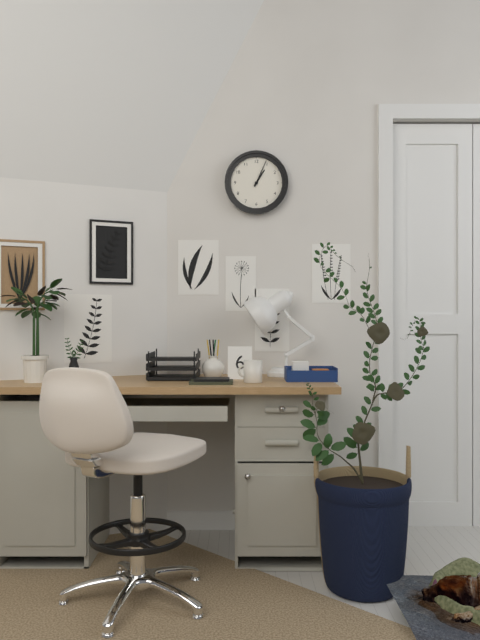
1,04
